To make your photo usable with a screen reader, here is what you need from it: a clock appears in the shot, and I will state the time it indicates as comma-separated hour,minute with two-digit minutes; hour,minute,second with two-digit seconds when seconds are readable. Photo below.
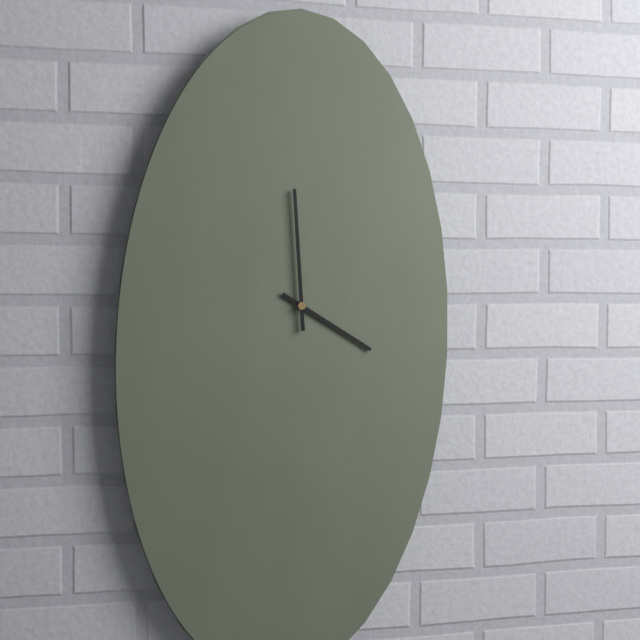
3,59
